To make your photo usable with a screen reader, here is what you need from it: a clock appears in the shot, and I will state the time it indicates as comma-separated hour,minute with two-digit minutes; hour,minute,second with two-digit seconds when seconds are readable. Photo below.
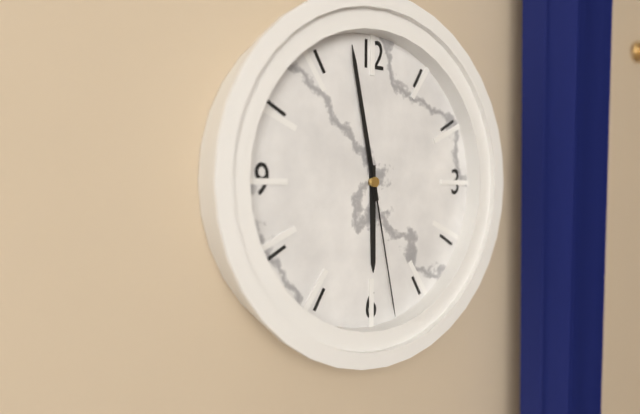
5,58,28
